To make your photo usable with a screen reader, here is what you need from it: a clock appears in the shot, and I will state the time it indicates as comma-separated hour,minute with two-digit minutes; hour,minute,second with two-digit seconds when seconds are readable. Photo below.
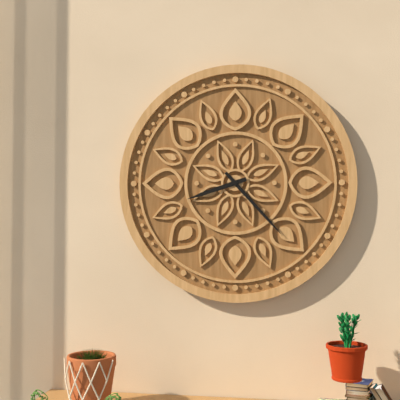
8,23
